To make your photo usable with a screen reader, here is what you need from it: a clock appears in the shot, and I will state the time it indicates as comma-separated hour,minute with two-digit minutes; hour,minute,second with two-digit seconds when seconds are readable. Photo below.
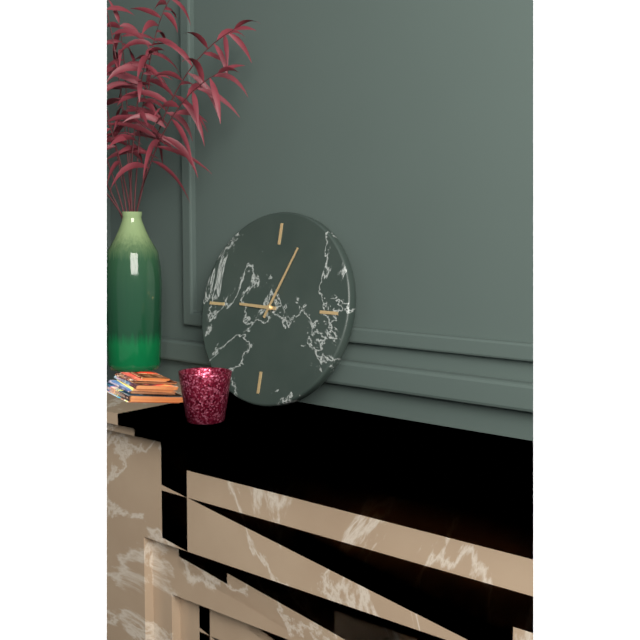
9,04
